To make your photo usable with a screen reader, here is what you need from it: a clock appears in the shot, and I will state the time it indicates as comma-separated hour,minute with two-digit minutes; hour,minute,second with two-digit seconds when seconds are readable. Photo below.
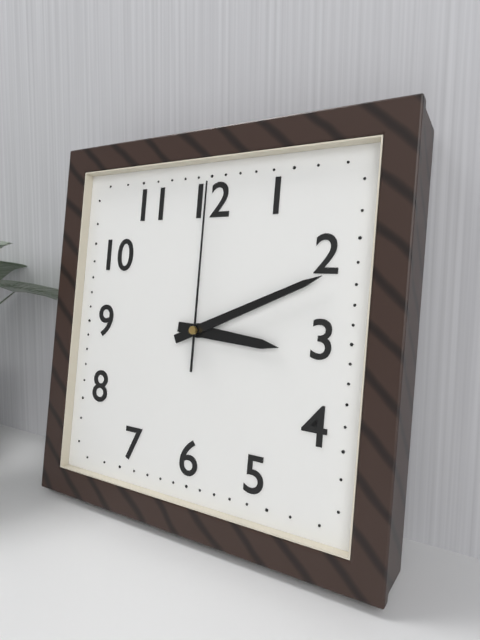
3,11,00
